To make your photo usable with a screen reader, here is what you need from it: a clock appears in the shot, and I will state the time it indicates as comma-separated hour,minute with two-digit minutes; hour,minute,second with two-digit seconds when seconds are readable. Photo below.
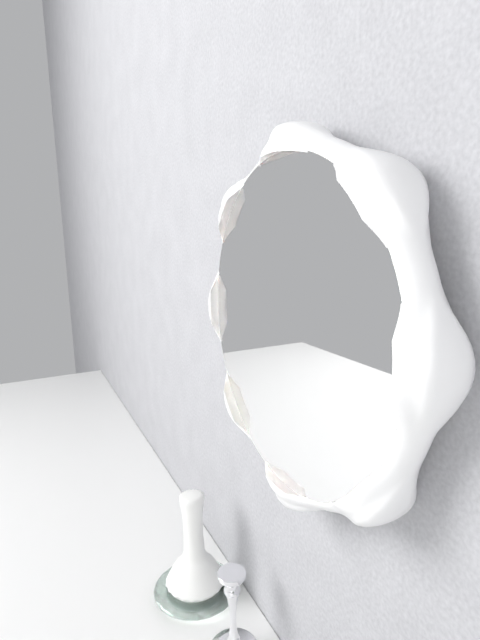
8,48,34
